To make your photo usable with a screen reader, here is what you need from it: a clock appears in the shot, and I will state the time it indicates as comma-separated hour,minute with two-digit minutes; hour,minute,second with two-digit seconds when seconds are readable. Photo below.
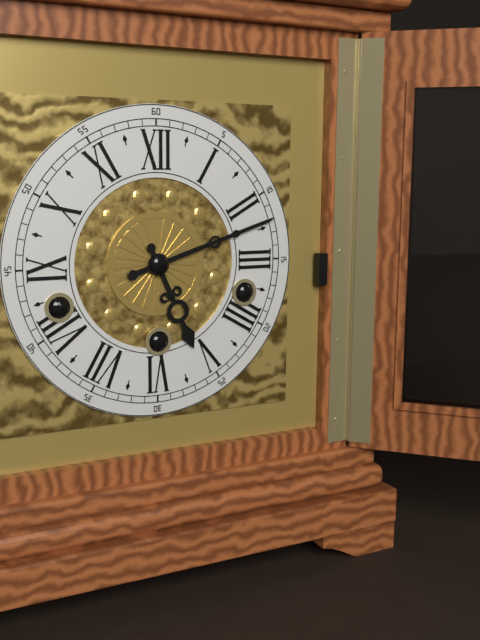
5,12
